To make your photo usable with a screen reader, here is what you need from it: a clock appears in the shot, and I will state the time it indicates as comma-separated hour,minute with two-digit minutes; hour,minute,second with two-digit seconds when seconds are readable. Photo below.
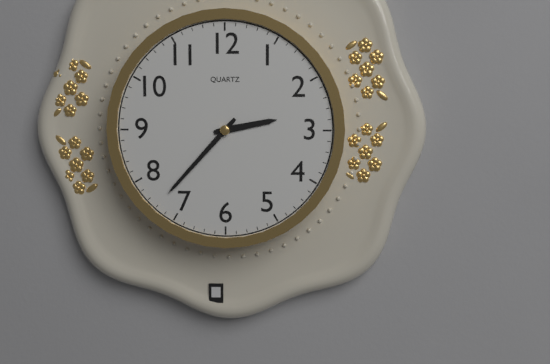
2,37
